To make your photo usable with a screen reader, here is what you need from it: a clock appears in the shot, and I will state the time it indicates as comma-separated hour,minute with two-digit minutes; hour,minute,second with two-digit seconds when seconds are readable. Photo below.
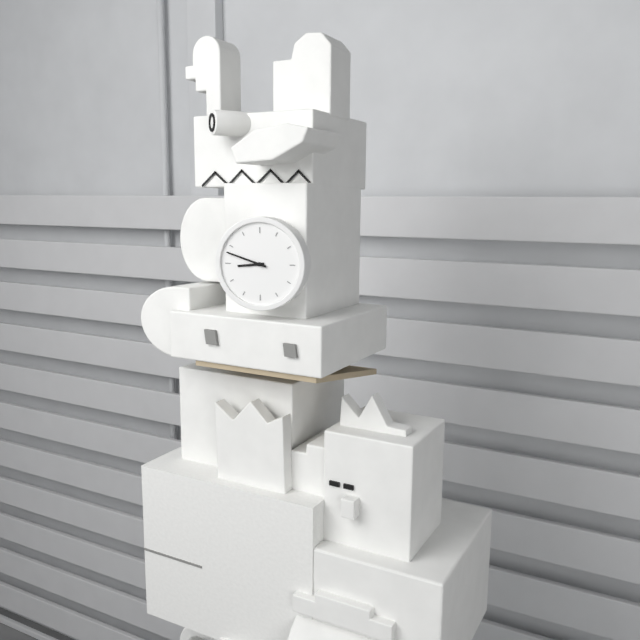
8,48
